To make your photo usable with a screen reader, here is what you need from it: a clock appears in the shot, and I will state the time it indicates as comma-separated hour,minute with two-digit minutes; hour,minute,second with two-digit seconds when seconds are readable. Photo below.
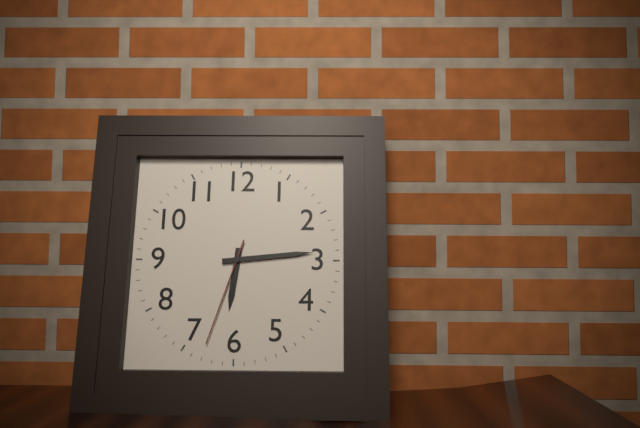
6,14,33
